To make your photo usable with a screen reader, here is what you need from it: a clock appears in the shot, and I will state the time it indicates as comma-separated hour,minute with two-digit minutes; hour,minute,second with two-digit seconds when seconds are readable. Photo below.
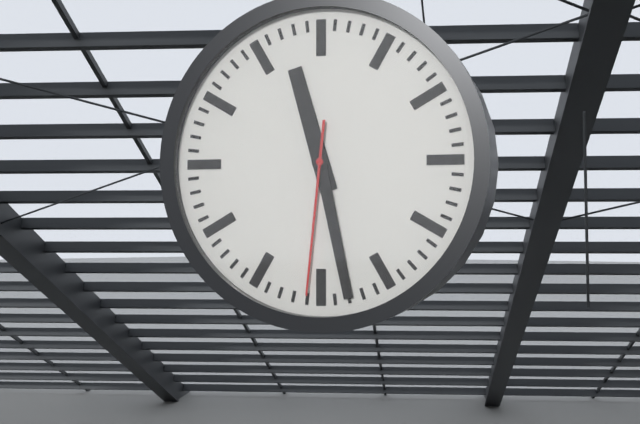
11,28,31
